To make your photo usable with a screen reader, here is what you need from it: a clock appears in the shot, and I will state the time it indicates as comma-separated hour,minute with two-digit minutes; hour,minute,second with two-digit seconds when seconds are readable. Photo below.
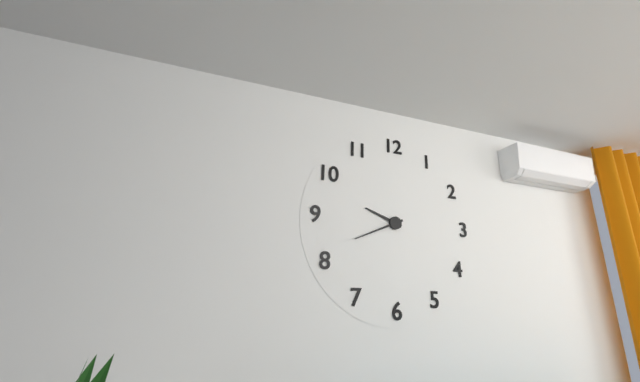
9,41
